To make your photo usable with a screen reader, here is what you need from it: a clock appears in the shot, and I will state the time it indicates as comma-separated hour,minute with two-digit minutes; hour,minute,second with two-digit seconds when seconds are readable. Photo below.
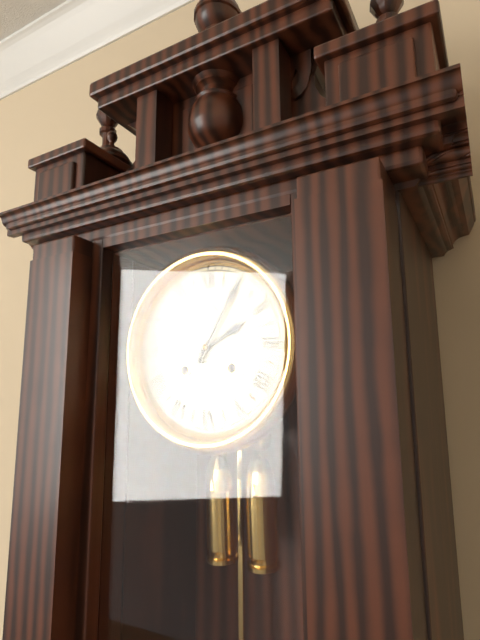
2,05
